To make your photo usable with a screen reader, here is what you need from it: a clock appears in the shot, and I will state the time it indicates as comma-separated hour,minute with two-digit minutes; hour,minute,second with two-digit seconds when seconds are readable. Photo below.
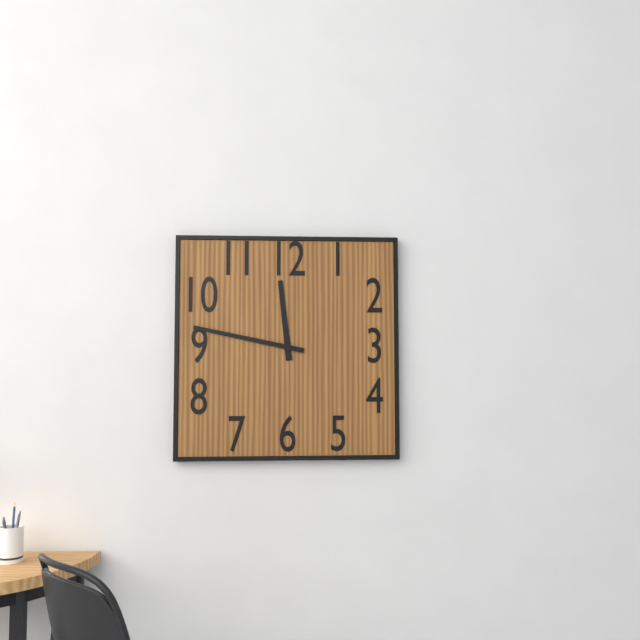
11,47
